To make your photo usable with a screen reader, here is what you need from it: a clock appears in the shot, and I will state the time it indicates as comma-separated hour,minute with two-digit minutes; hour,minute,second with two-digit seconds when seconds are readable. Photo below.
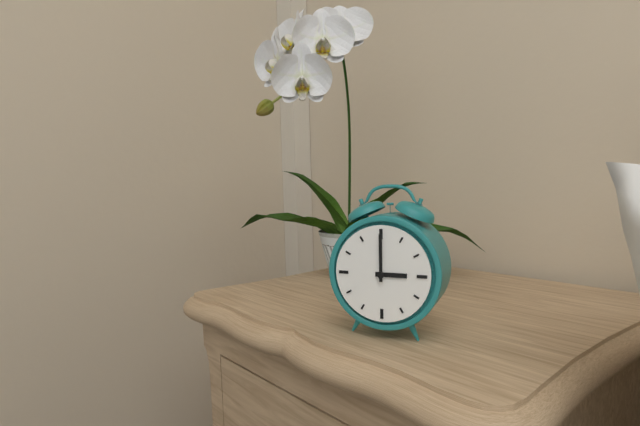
3,00
